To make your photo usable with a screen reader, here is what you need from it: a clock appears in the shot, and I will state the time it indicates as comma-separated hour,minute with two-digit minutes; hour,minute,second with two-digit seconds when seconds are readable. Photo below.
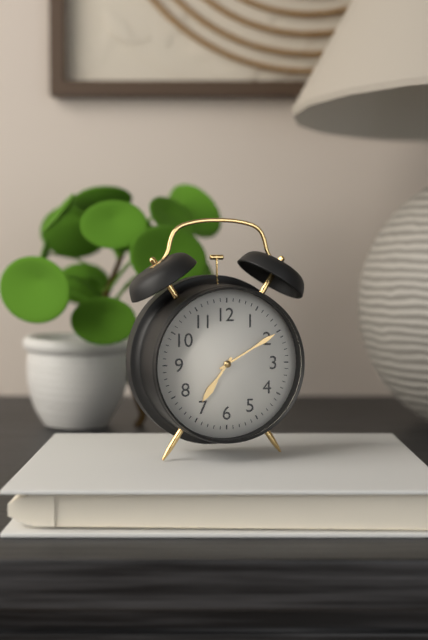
7,10
